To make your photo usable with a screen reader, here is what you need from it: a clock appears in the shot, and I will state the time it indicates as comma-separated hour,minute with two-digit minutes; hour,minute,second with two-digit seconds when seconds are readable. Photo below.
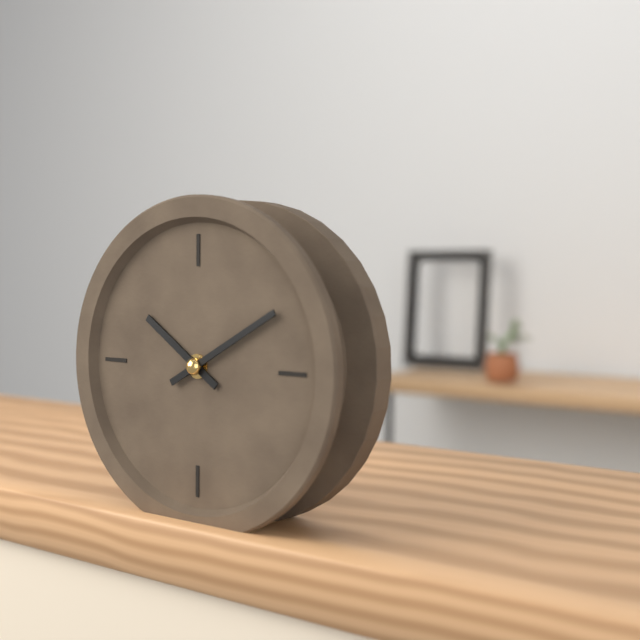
10,10
